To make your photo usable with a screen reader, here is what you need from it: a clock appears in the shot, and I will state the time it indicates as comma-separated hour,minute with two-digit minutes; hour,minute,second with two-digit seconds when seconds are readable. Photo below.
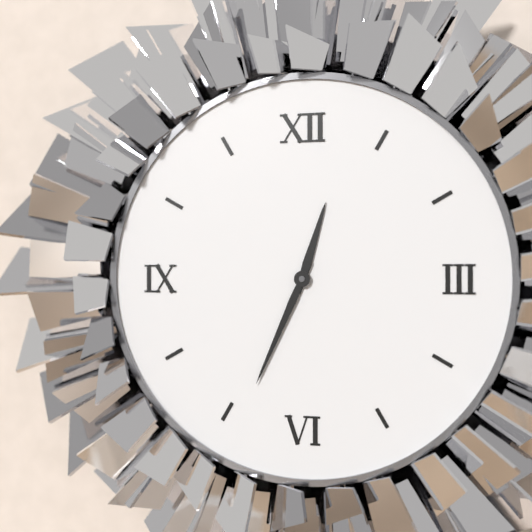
12,34
